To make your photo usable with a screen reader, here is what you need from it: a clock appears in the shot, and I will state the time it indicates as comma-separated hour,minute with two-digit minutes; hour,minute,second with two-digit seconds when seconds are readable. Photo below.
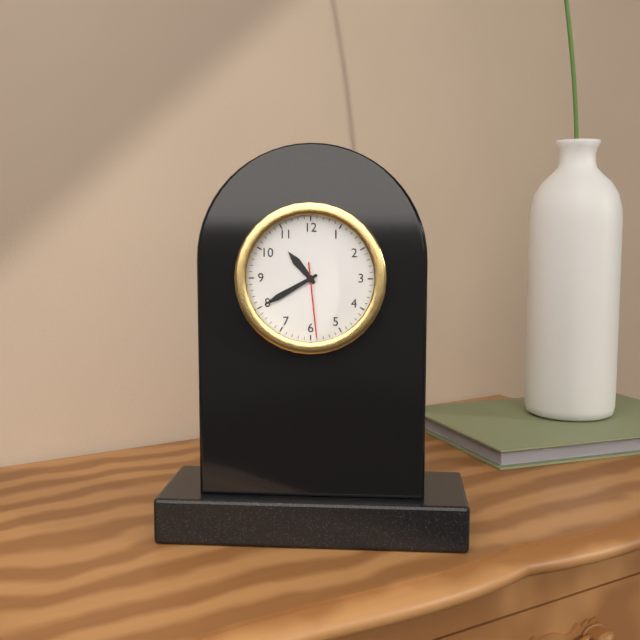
10,40,29
